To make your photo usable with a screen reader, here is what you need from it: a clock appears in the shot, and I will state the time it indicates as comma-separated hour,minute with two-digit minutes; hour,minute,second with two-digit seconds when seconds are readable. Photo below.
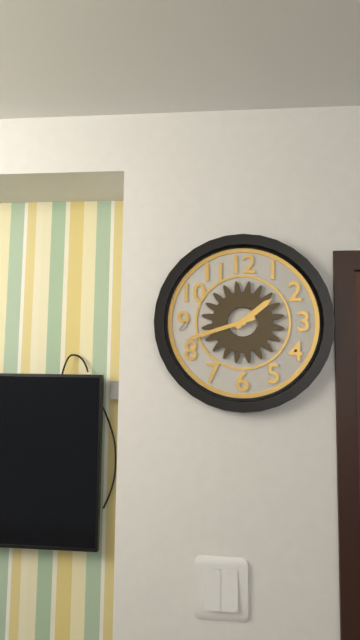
1,42
